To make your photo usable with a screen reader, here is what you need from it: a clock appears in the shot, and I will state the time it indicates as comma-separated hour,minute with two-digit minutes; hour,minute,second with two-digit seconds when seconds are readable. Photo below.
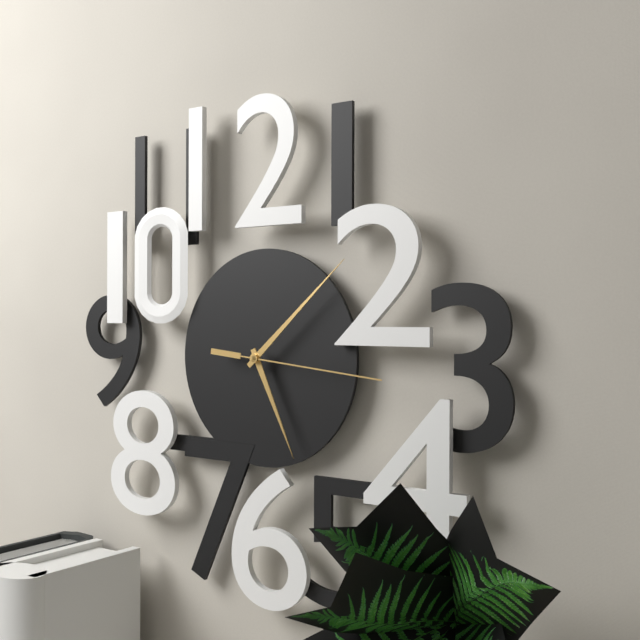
5,08,16
